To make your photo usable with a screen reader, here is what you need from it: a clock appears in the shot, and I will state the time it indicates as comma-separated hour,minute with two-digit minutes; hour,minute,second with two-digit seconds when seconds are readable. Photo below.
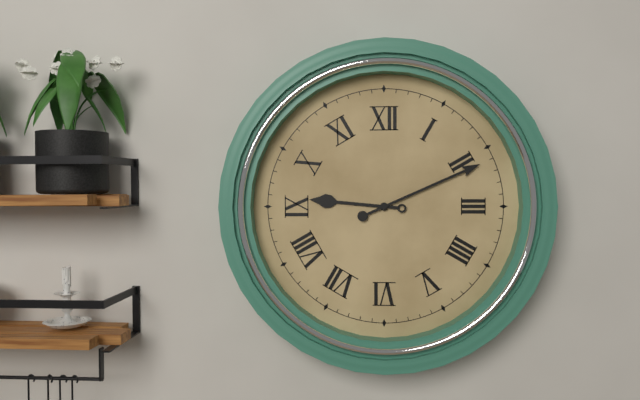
9,11
